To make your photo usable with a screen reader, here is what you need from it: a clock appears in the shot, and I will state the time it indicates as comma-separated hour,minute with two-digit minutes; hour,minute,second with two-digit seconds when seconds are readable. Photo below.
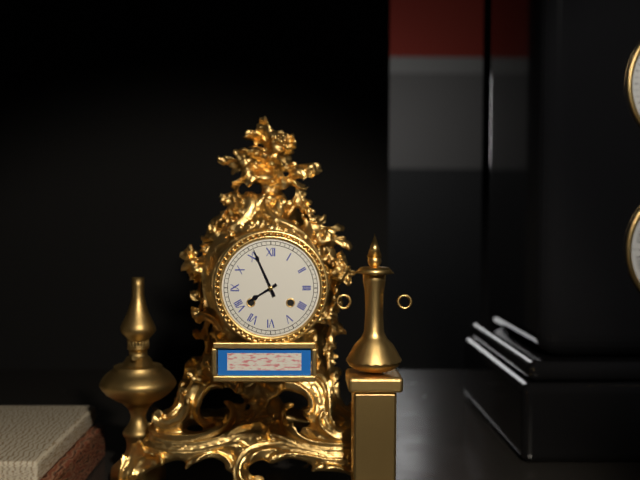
7,56
